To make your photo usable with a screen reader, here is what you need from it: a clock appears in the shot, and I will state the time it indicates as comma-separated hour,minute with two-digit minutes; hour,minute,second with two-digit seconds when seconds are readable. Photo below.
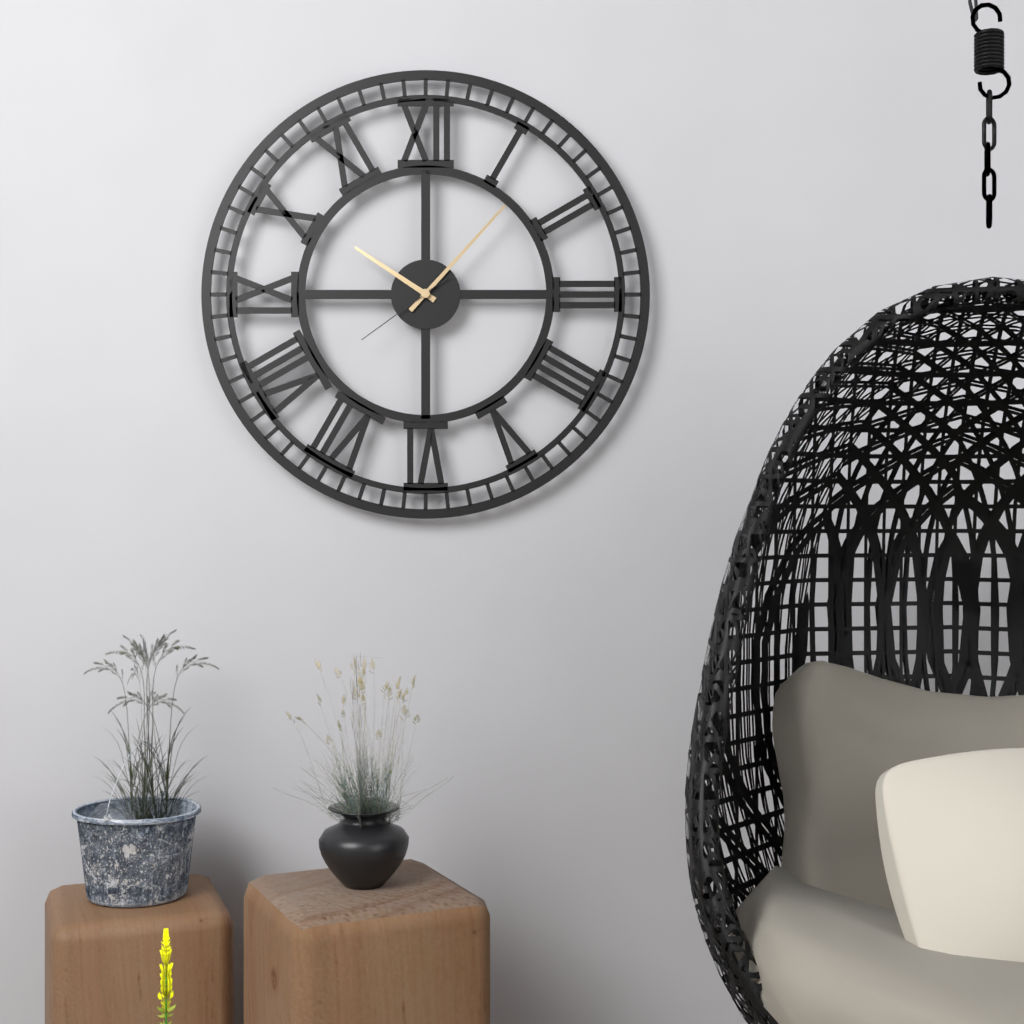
10,07,39
